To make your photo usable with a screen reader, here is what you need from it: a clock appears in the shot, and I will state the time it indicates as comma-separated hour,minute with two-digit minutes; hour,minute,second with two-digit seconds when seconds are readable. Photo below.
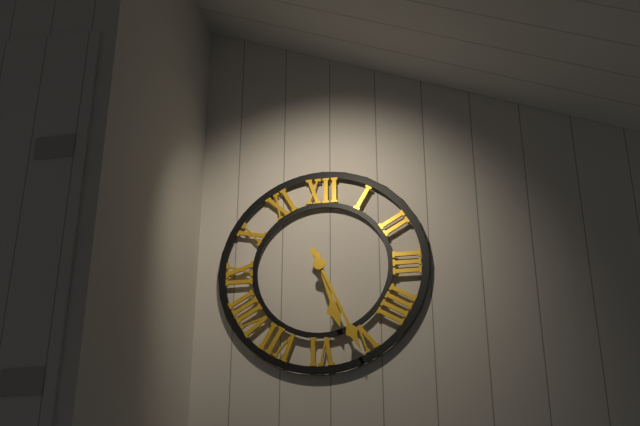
5,26
